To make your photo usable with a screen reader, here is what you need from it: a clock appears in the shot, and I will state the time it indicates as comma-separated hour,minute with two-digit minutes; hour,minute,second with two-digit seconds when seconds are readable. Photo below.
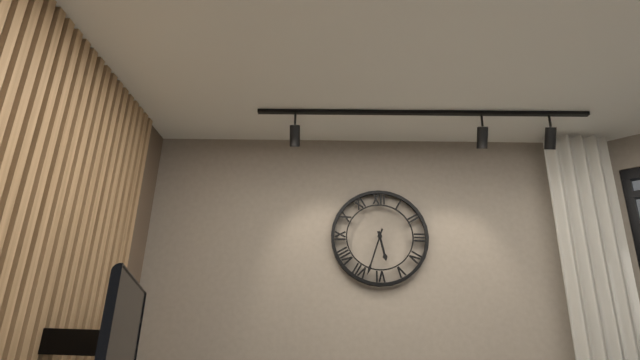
5,33
